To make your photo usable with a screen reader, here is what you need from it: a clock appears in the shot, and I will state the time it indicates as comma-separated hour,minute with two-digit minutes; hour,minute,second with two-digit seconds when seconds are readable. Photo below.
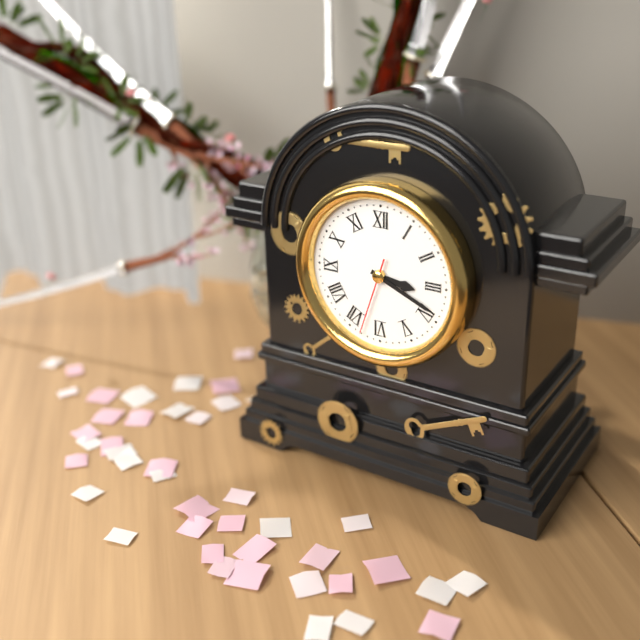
3,19,33
